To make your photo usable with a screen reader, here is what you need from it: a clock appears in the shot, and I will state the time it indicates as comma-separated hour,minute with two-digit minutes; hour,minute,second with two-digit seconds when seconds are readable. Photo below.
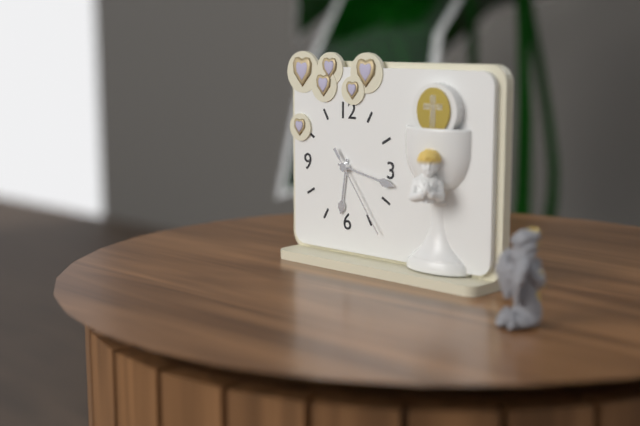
6,17,24
